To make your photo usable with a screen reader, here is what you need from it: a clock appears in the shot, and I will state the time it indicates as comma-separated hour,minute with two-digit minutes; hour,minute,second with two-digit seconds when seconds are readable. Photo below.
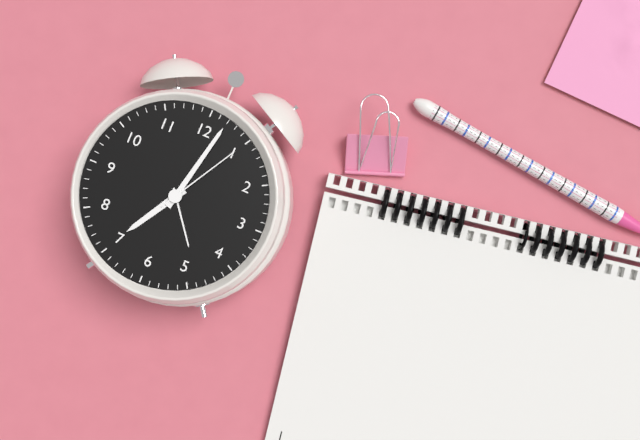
7,02,05
